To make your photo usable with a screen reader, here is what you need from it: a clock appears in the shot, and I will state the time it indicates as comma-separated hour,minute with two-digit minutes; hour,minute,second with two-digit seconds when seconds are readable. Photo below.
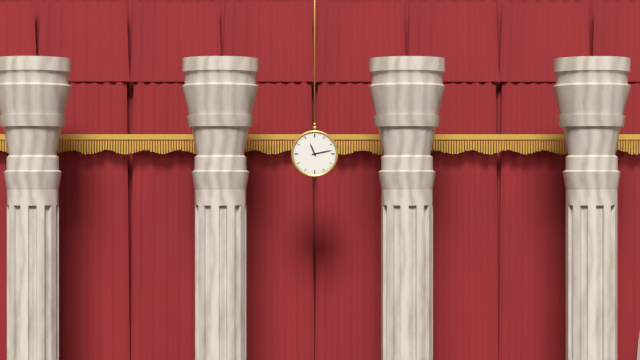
11,13
